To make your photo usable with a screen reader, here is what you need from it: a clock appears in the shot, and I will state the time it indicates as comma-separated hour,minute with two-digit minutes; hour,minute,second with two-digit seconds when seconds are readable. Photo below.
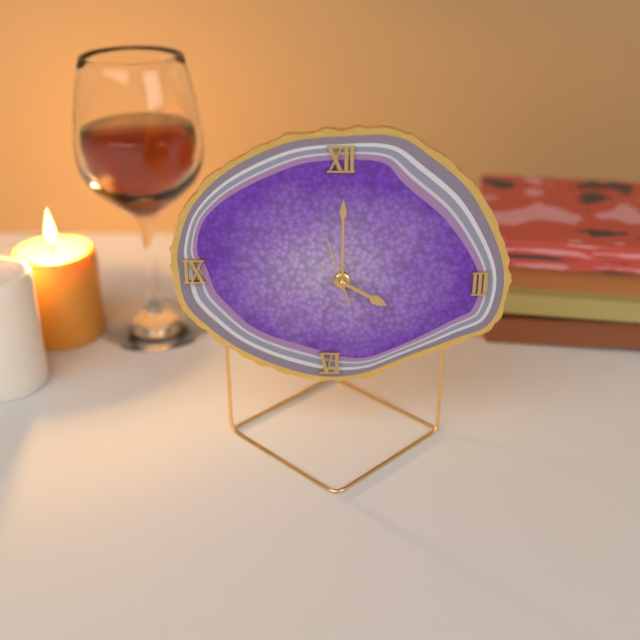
4,00,57
